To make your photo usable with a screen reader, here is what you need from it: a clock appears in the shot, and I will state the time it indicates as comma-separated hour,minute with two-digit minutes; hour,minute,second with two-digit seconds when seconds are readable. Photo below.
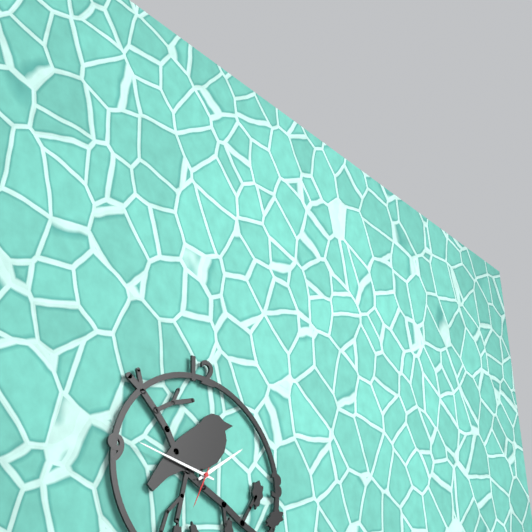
1,47
